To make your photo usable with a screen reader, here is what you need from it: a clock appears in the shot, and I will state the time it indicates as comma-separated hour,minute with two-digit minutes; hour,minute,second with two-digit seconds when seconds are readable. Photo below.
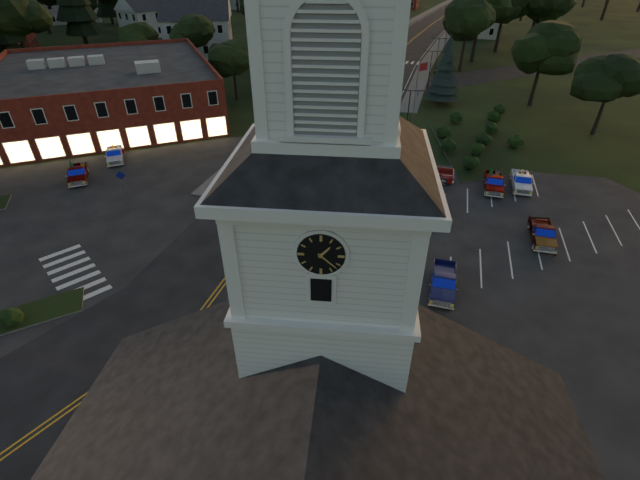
1,22
